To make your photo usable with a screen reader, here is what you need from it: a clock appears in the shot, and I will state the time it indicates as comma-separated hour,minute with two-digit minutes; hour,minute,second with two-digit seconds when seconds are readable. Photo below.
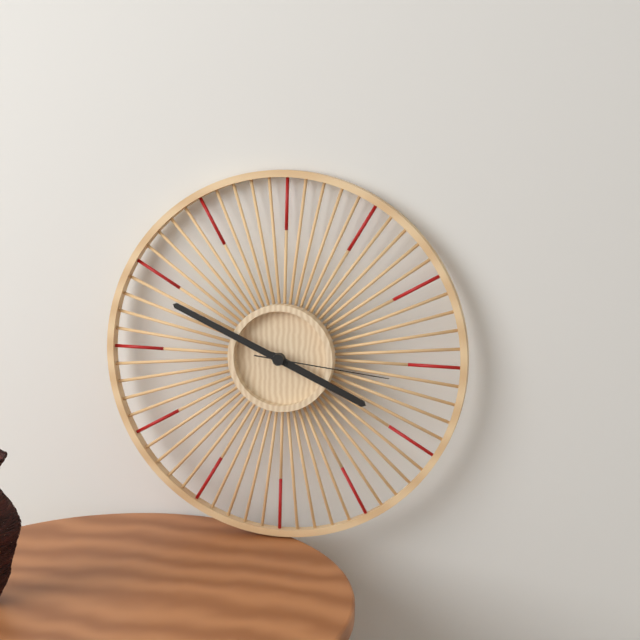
3,49,16
